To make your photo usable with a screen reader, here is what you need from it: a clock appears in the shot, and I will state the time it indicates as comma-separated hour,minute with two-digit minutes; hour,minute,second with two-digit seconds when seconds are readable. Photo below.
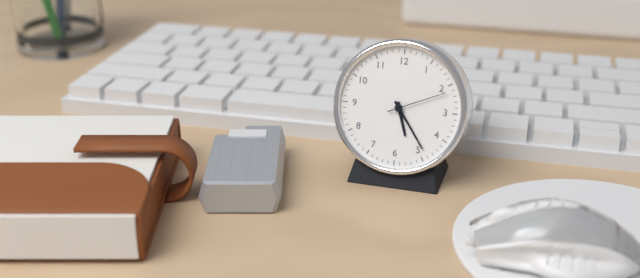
5,24,11
